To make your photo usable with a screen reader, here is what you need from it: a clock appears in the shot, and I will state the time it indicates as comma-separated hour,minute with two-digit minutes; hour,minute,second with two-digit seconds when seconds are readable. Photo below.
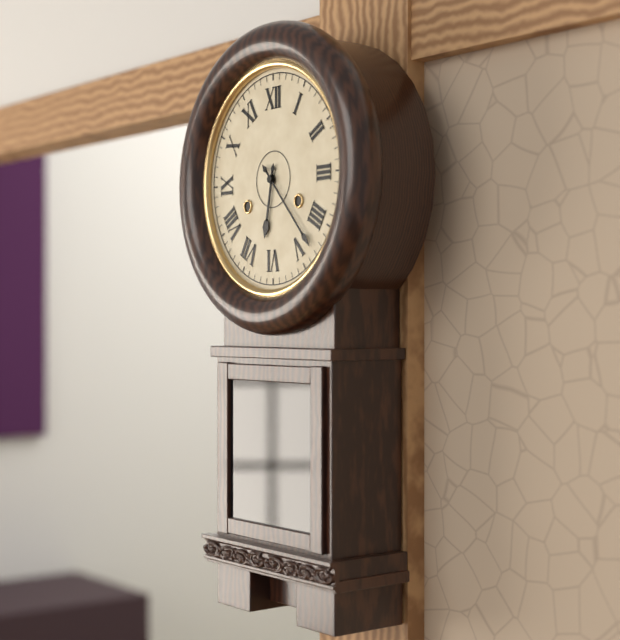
6,23
